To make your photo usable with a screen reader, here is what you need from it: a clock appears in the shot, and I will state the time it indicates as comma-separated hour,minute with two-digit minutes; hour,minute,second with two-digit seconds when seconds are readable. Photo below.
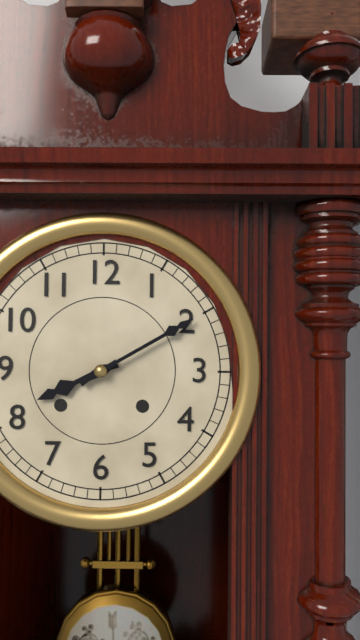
8,10
